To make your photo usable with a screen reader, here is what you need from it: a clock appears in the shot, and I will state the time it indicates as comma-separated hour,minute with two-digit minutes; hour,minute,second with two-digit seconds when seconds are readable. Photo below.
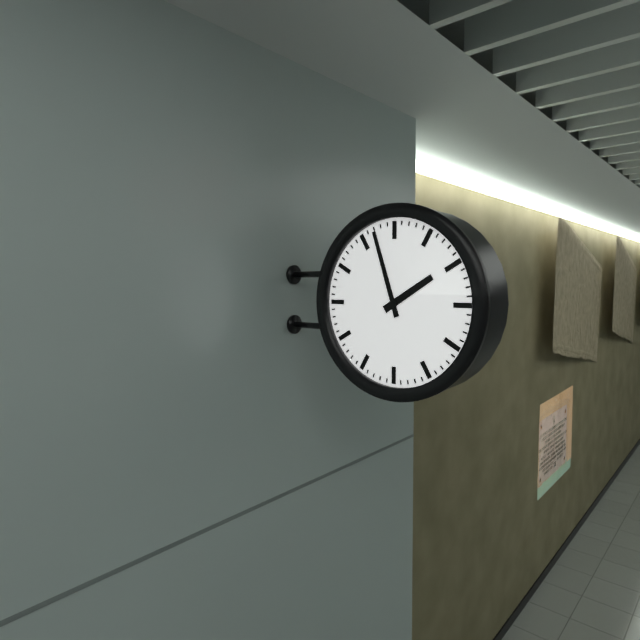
1,57
